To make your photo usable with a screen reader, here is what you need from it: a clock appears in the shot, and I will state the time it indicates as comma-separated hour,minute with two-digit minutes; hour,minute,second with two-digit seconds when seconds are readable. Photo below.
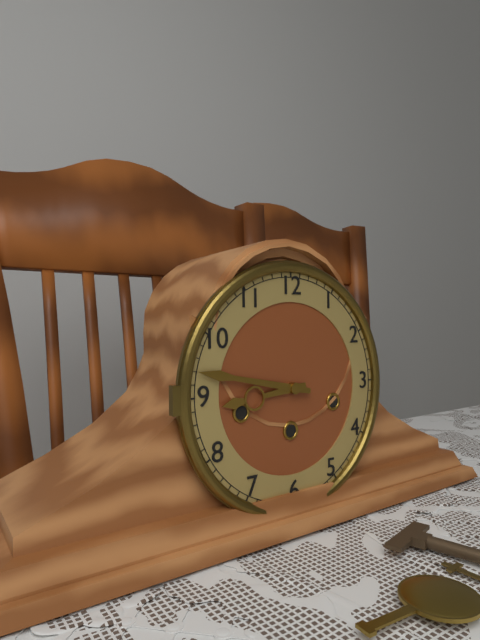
8,47
